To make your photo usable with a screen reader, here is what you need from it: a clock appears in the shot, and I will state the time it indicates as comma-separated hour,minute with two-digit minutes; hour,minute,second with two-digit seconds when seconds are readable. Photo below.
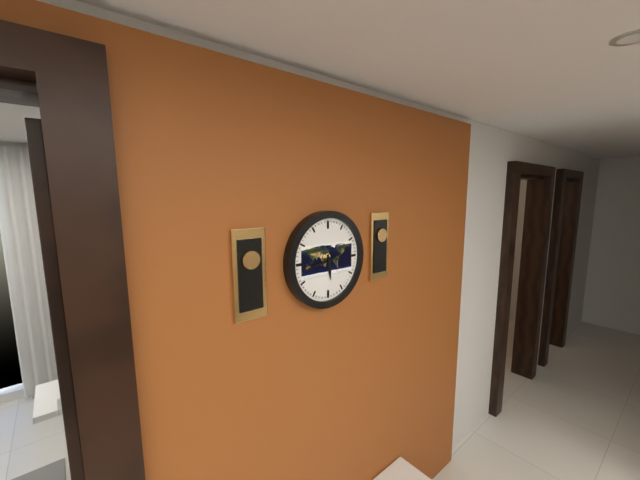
5,43
